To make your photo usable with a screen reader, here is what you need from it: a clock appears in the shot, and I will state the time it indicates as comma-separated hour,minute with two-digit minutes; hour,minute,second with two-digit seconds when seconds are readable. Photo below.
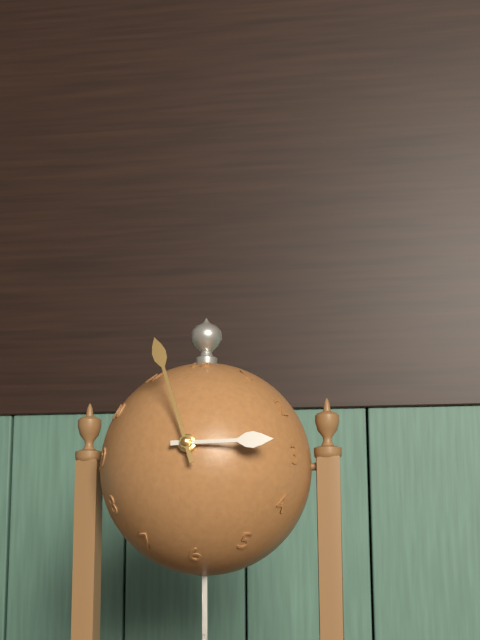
2,57
